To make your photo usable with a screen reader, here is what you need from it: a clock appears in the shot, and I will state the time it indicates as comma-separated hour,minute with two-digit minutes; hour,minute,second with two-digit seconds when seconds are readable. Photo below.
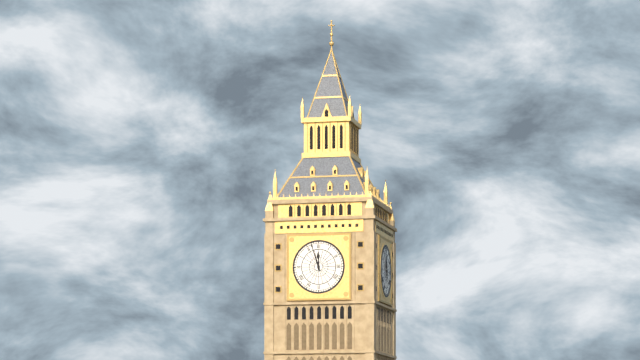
11,57
